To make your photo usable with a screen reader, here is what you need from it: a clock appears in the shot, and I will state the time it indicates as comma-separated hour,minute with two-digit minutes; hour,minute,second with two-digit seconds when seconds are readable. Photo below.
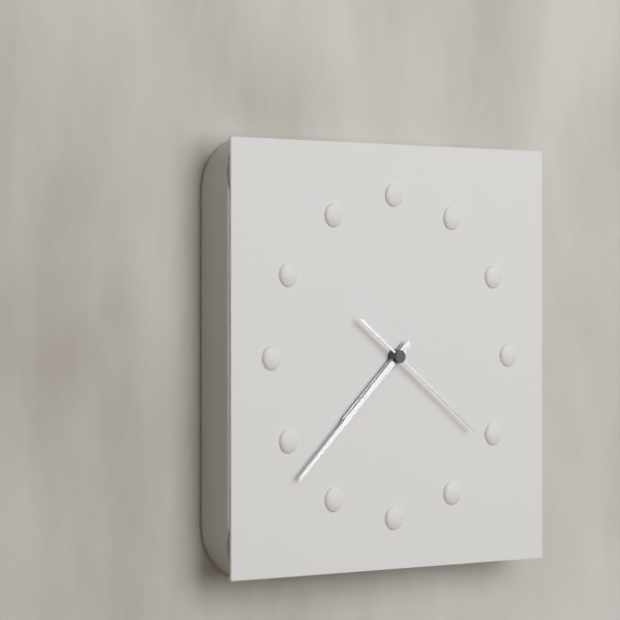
7,38,21
